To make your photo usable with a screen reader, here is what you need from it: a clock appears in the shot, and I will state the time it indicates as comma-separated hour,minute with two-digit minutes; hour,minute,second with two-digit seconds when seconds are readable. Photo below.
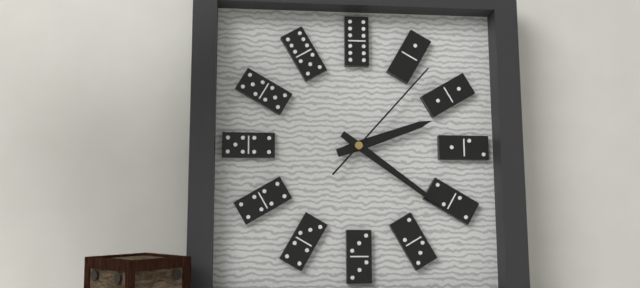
2,21,07
